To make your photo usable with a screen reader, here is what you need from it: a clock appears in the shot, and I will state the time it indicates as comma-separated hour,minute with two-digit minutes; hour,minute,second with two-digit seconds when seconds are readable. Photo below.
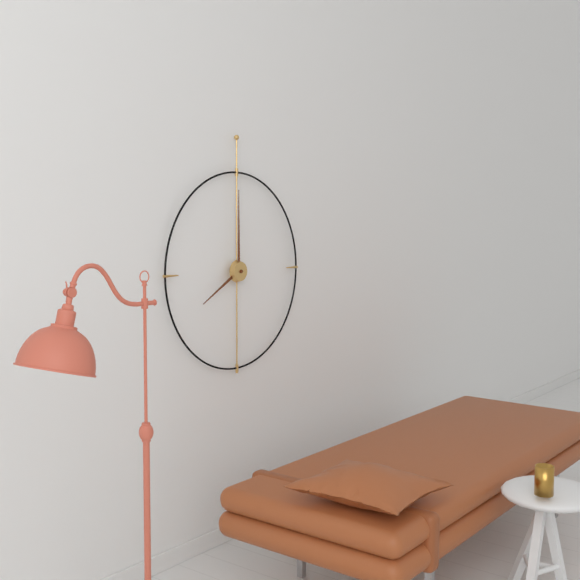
8,00
